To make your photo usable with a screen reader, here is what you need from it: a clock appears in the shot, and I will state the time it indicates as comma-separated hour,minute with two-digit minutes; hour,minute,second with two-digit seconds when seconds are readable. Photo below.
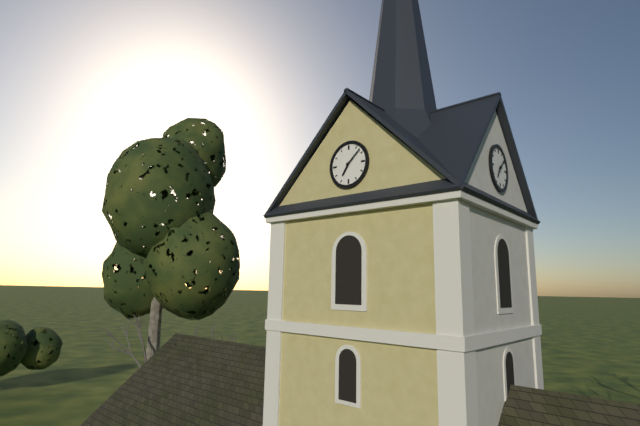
7,08
